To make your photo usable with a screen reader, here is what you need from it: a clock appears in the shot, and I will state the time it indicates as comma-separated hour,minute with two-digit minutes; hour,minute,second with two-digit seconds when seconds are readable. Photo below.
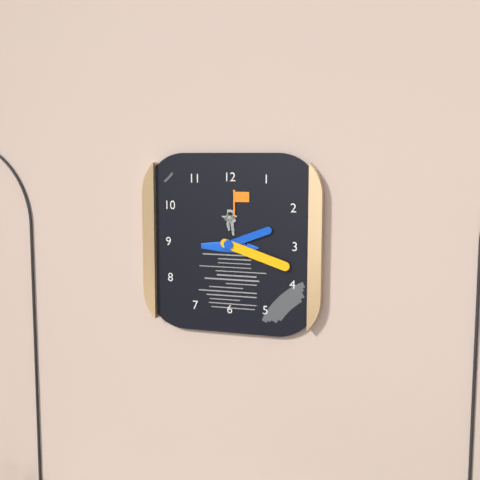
2,18
